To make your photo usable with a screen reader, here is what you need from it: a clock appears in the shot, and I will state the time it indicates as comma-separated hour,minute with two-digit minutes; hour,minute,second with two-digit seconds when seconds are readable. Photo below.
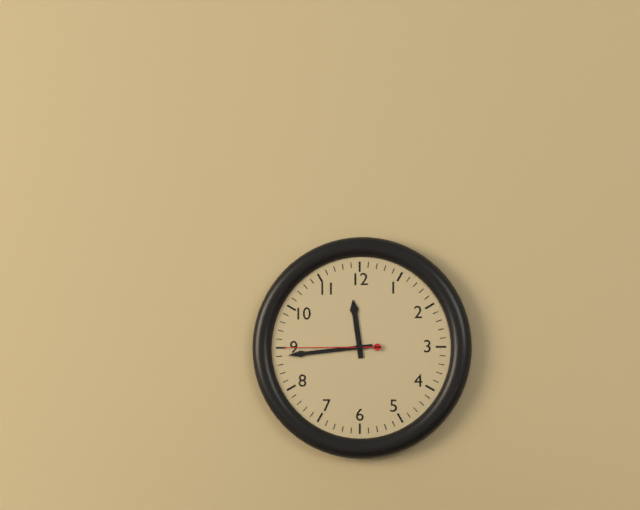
11,44,45
